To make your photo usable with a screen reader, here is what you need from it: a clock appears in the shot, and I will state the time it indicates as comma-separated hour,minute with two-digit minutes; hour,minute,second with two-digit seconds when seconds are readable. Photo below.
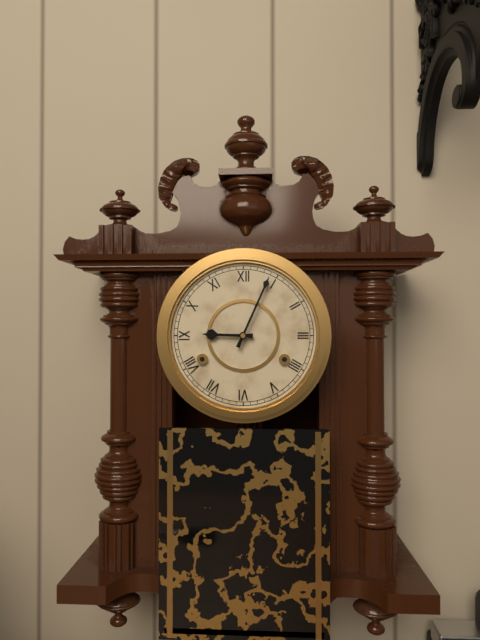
9,04
